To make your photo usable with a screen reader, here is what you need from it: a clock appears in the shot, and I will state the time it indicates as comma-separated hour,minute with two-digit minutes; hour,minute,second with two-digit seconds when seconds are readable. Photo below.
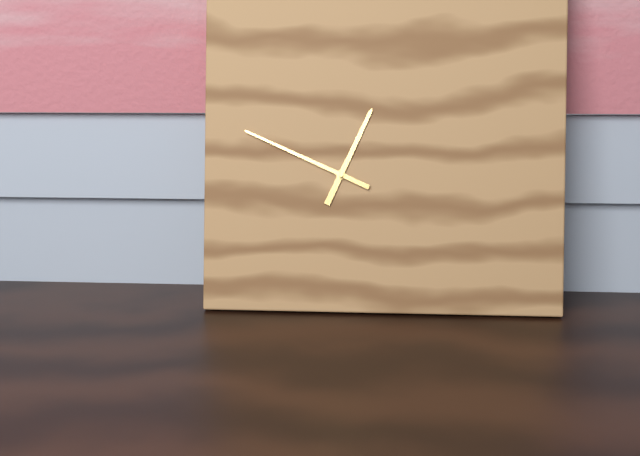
12,49
